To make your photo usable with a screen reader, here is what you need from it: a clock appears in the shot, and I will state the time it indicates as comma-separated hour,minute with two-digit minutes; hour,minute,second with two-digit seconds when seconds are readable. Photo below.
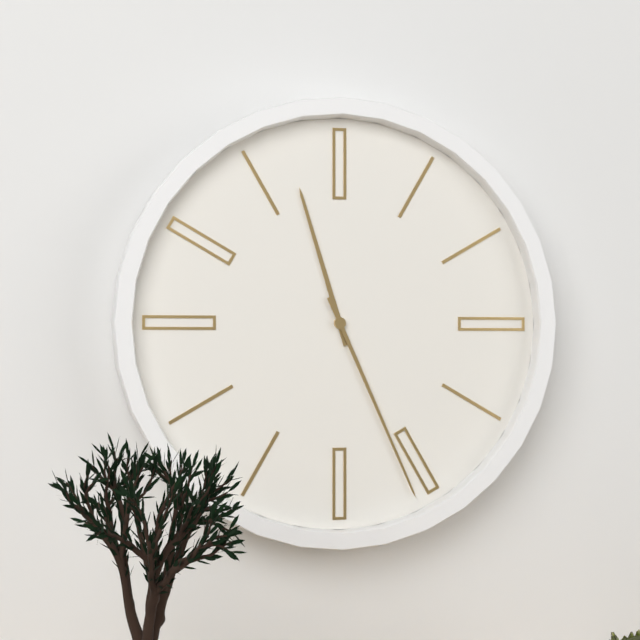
11,26
